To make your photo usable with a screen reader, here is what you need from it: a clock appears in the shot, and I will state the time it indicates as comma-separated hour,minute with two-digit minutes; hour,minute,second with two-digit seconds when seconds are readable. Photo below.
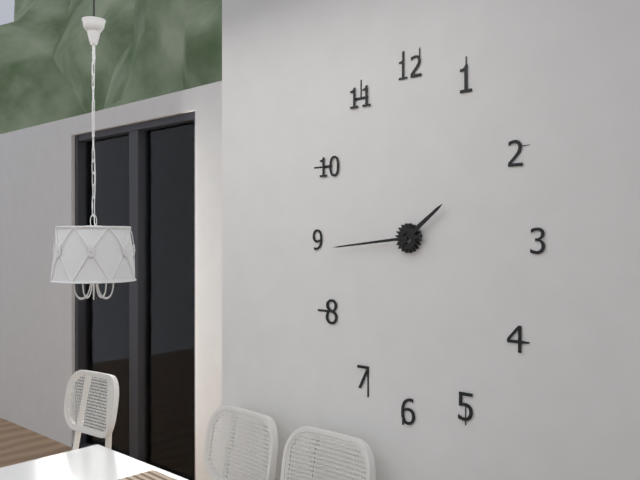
1,44
